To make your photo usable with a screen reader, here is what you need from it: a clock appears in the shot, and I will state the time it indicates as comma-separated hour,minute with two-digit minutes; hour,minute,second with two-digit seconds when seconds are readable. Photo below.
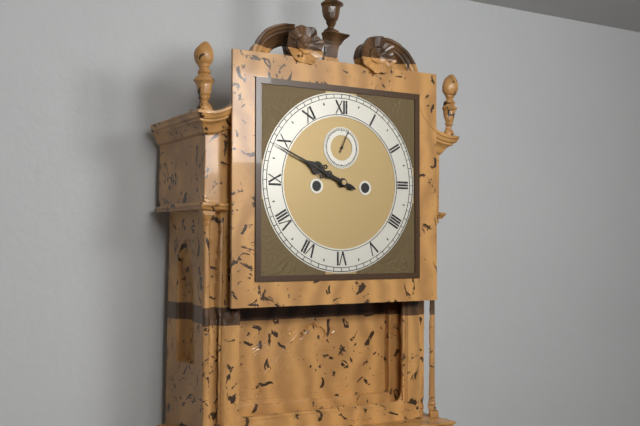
9,49
